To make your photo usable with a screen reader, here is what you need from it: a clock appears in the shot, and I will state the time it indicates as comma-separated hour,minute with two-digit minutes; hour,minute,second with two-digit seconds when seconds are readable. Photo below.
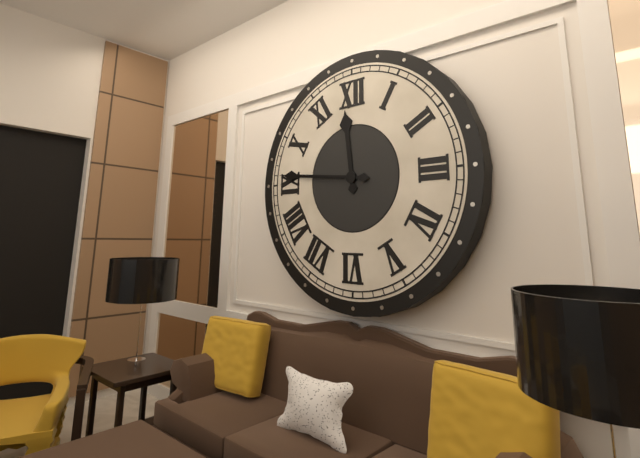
11,46
